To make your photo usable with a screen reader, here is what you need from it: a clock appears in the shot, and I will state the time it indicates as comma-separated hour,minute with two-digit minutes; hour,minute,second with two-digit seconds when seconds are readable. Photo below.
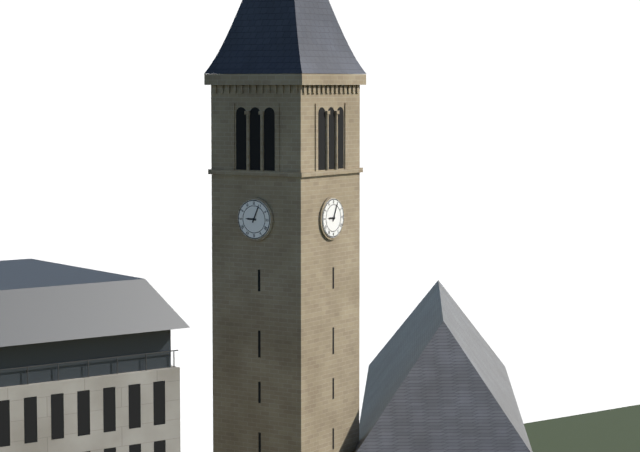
9,04
